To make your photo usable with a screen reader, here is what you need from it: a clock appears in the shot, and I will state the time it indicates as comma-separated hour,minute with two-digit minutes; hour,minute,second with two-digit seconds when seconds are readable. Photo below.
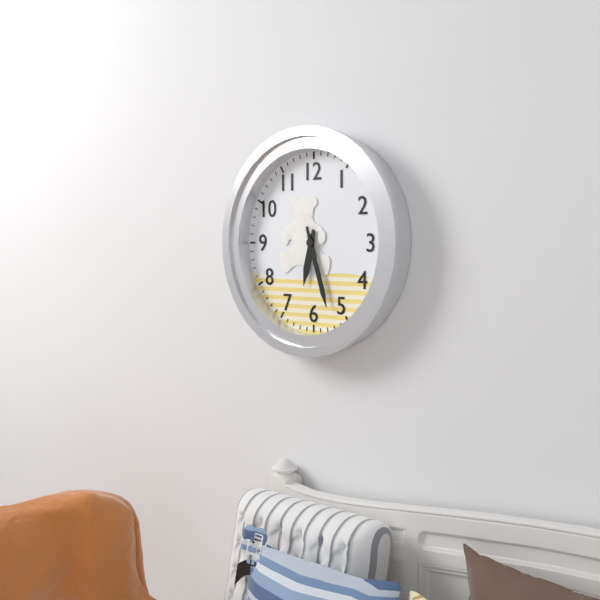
6,27
